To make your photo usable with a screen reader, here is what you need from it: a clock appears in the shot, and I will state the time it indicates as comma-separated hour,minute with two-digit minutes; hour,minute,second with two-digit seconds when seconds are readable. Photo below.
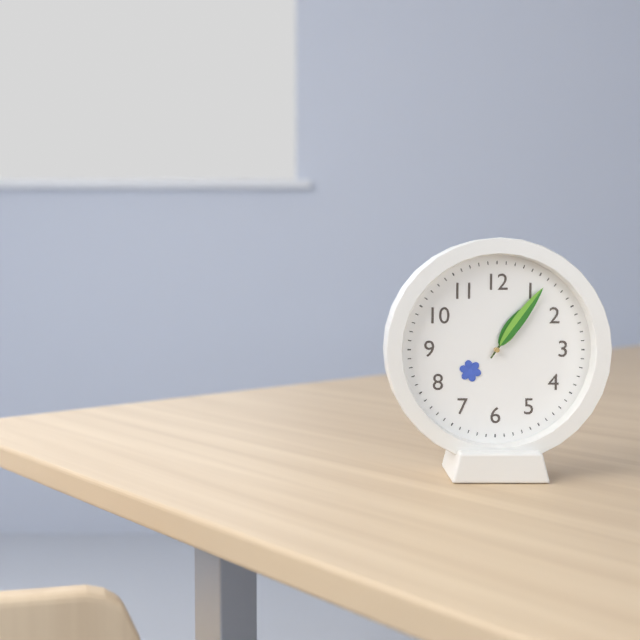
1,06
